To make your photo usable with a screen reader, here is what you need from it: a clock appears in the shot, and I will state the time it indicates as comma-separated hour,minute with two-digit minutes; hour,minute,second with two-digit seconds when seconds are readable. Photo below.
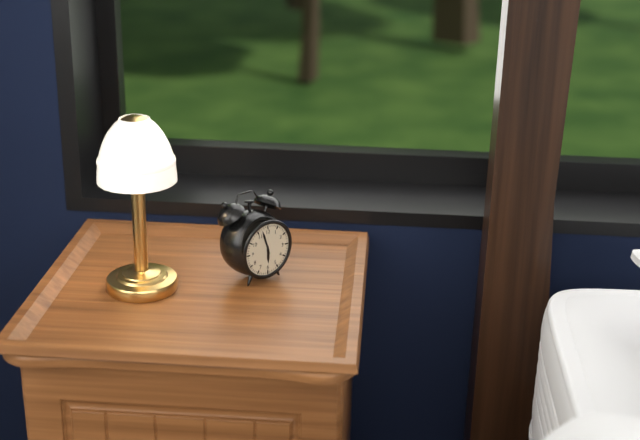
5,57
